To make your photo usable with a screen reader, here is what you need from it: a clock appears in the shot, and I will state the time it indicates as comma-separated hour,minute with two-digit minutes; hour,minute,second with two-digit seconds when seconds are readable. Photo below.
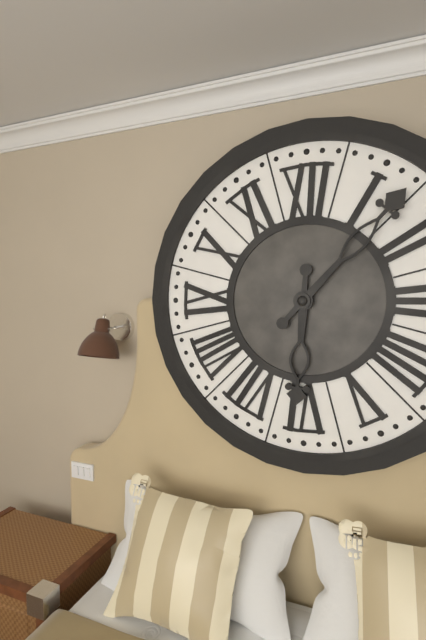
6,07
